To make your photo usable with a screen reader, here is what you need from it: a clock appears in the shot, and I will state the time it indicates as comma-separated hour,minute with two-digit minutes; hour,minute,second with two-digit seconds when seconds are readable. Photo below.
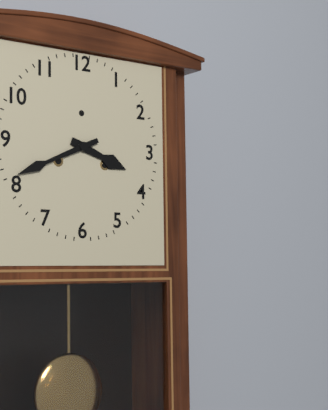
3,41
